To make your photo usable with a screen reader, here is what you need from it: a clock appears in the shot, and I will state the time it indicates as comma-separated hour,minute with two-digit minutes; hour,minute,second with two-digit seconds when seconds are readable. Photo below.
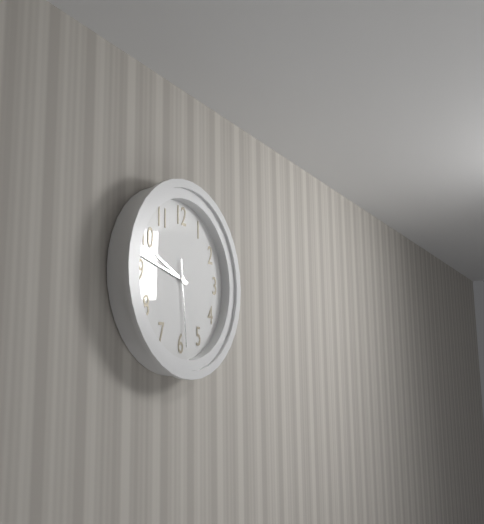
9,47,29
